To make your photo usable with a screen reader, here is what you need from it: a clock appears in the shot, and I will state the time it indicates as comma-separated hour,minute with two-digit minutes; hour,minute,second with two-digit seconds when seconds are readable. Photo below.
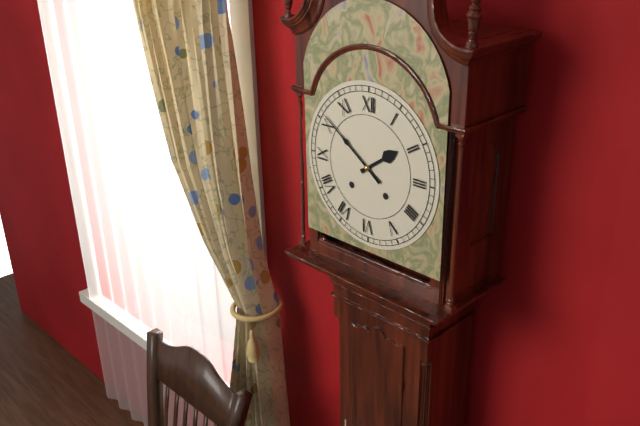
1,51
